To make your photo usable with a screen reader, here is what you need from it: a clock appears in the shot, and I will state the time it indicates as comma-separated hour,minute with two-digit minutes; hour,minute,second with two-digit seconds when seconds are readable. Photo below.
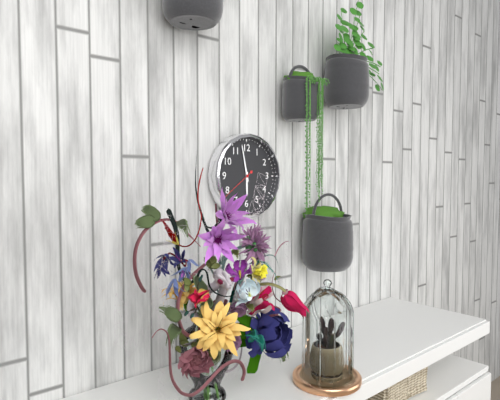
5,58
